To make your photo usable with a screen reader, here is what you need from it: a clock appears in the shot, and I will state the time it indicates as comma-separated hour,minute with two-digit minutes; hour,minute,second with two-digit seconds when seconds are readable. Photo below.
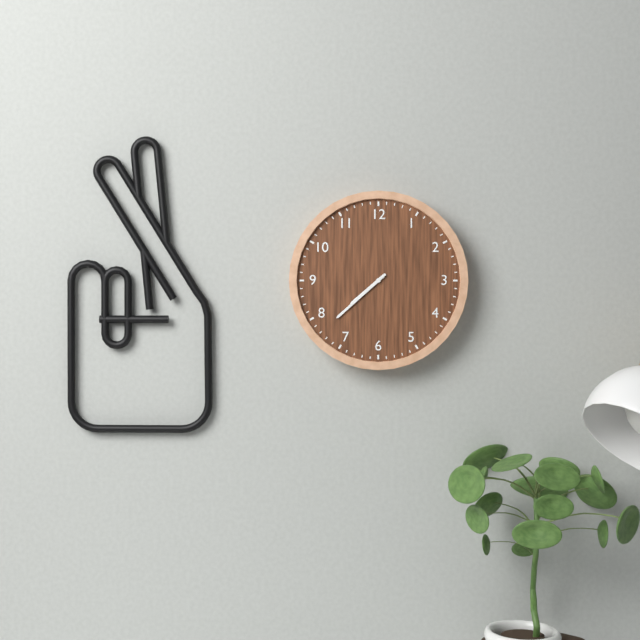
7,38
